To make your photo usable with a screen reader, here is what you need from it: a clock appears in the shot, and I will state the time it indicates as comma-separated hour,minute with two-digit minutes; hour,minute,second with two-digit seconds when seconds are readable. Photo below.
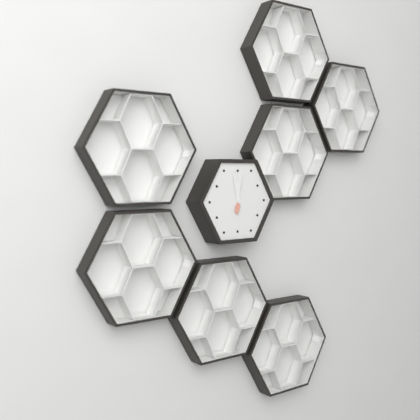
11,58
